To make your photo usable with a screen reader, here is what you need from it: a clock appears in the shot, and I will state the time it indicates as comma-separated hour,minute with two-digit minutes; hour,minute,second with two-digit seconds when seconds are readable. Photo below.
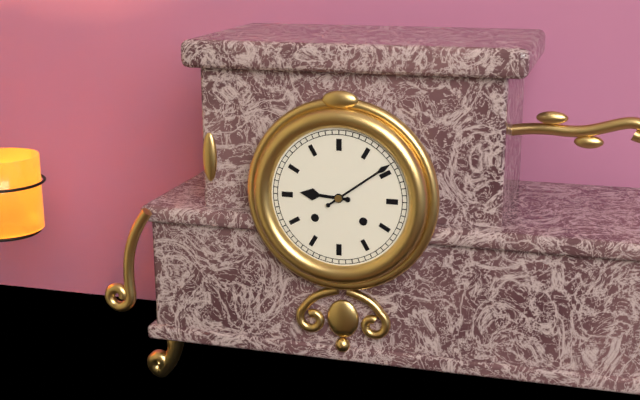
9,09
